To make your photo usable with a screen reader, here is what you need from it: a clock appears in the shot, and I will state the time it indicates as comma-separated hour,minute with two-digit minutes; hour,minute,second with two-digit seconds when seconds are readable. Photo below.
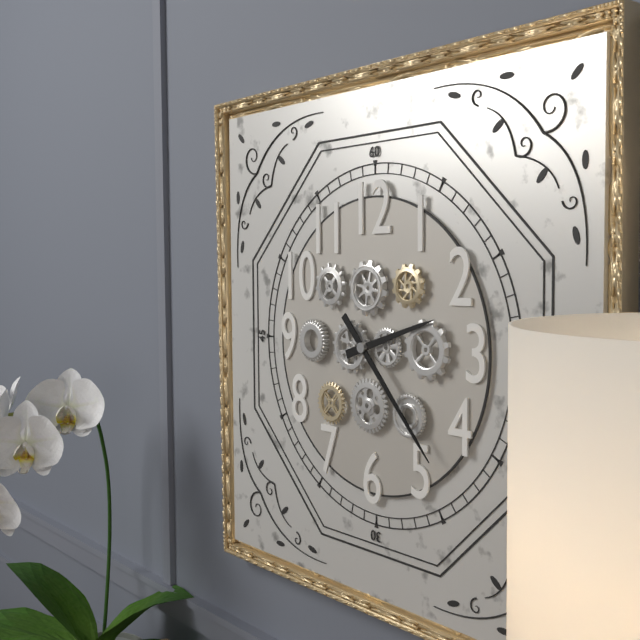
2,23
